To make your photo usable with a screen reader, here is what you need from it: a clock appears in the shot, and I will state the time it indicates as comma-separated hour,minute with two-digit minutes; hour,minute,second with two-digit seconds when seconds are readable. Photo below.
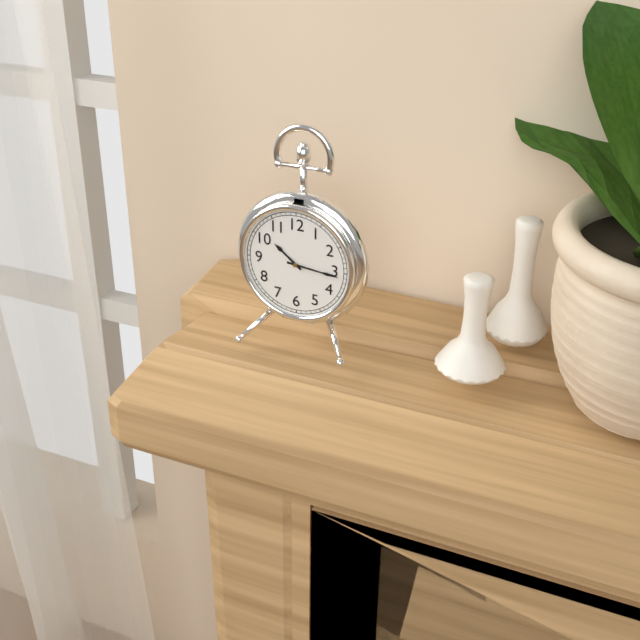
10,16
